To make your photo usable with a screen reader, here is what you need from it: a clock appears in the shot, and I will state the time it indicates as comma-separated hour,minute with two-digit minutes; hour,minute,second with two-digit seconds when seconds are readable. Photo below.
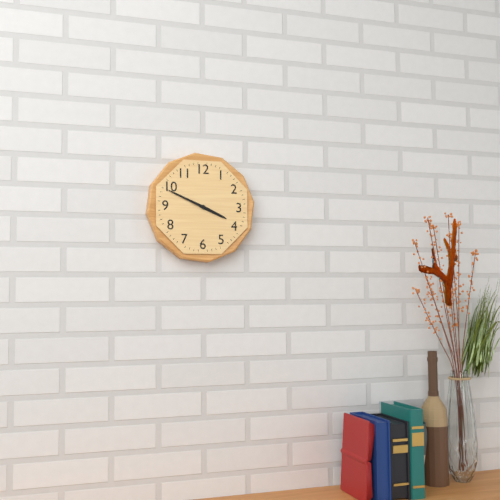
3,49
